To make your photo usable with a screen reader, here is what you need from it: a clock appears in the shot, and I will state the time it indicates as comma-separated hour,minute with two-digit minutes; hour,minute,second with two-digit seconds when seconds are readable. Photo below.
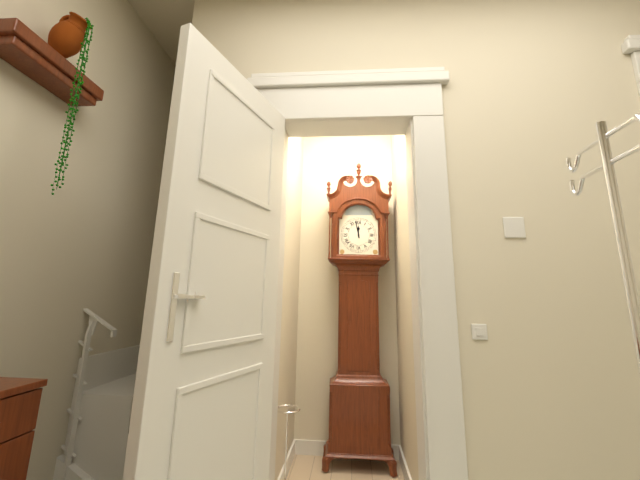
11,58
